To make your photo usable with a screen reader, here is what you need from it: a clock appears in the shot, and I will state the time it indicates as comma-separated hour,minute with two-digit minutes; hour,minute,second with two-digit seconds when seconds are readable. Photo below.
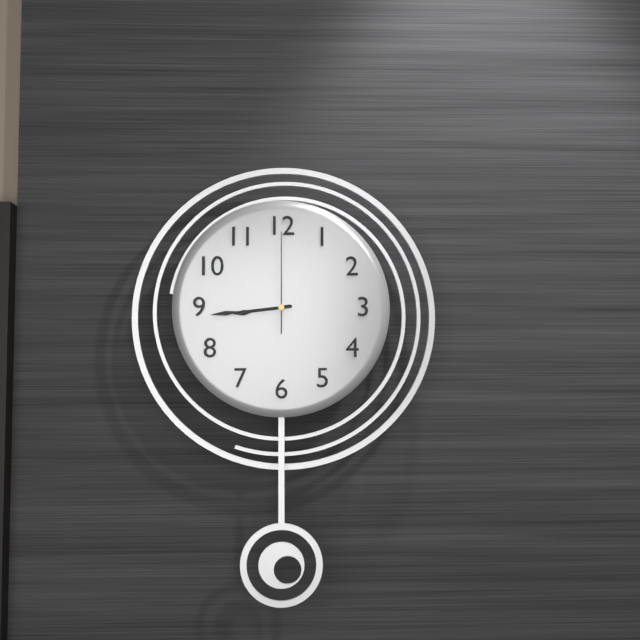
8,44,00
